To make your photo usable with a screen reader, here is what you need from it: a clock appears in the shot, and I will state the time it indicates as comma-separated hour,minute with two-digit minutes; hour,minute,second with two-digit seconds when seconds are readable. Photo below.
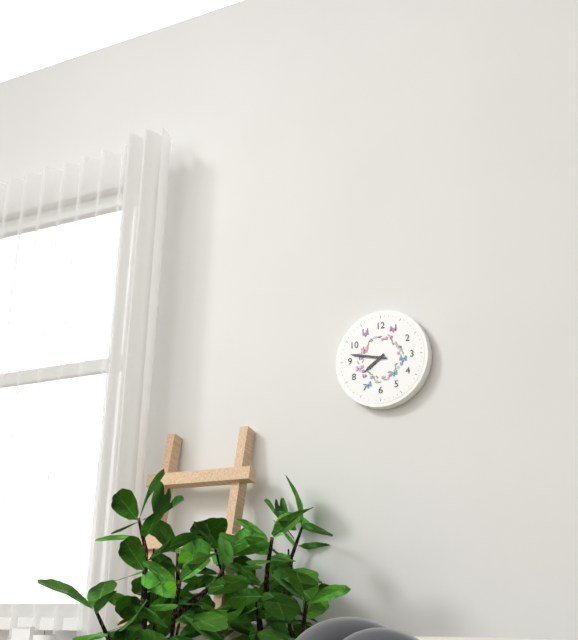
7,47
